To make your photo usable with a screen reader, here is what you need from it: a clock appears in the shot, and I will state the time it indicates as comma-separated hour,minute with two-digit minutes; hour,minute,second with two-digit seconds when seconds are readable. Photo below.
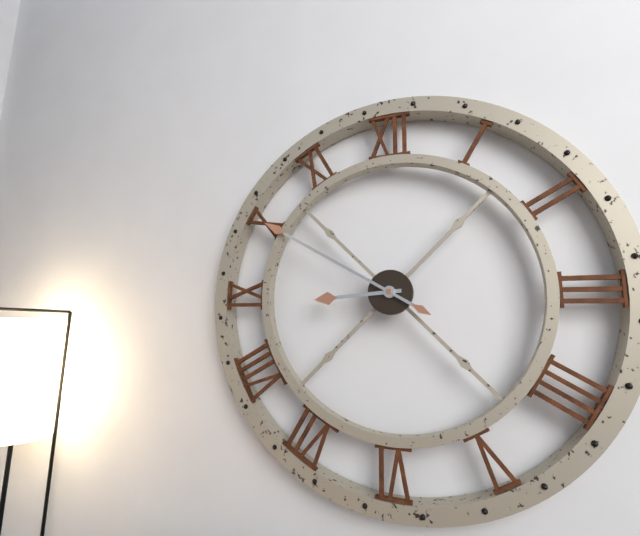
8,50
